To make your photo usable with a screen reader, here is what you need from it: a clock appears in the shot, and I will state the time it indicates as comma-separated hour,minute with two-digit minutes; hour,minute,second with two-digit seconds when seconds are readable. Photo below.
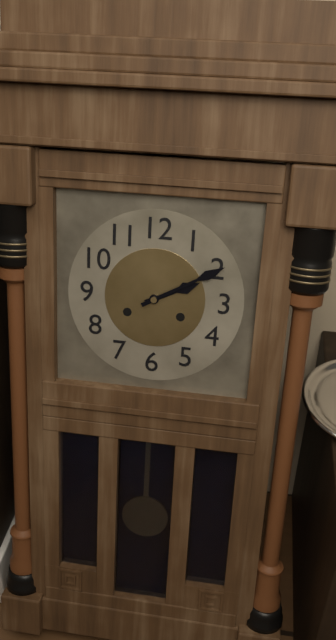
2,10
